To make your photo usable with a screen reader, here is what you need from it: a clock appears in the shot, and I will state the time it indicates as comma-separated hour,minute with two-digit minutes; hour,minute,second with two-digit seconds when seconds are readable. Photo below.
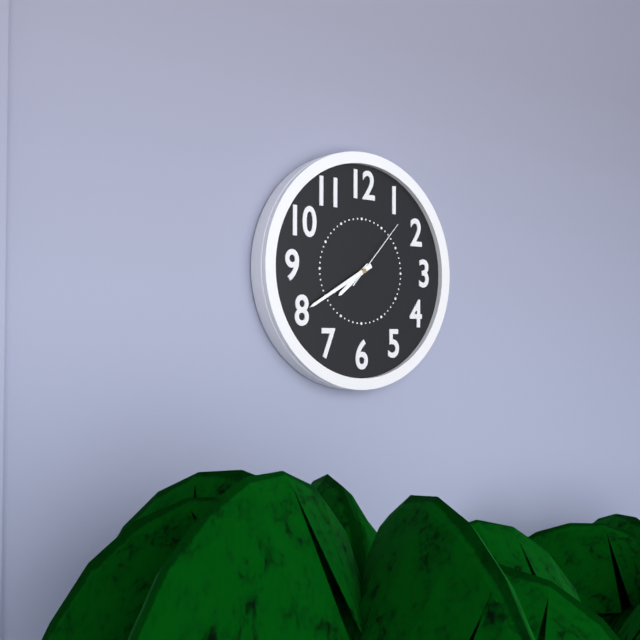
7,40,07
